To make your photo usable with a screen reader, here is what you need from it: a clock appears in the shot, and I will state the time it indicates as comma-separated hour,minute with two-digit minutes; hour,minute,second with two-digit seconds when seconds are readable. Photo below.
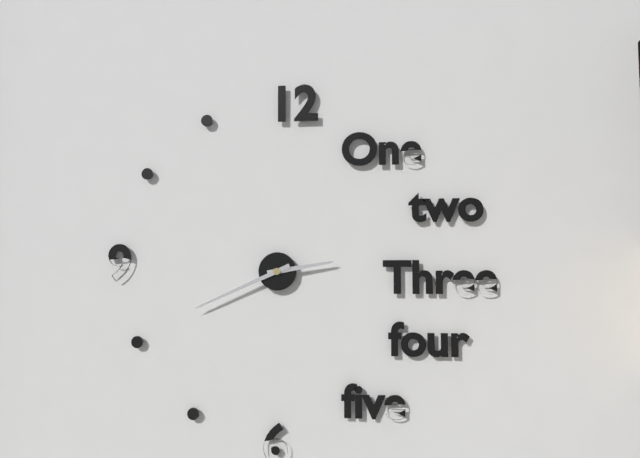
2,41
